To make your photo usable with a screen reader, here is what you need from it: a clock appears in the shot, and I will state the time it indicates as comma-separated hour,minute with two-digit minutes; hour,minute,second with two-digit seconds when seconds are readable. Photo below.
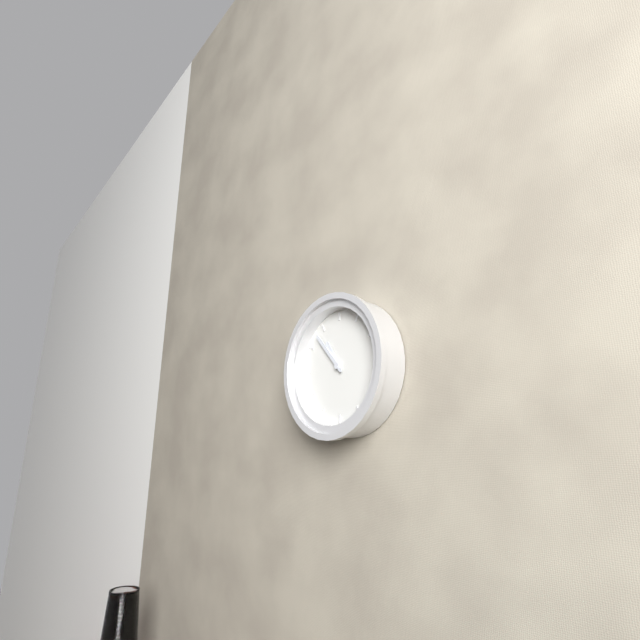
10,53
